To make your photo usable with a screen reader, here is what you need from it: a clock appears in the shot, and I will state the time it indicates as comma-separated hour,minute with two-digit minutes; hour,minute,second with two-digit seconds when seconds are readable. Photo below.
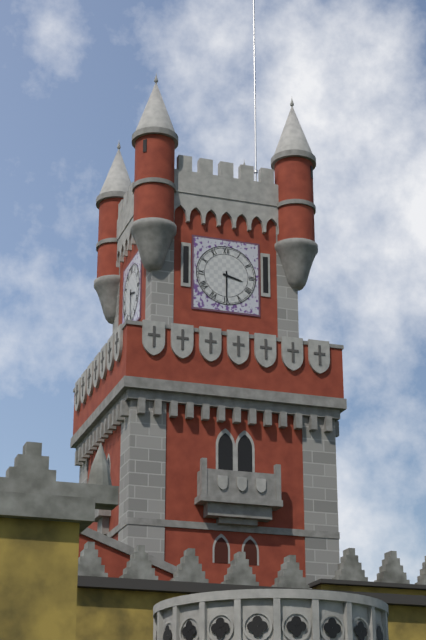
3,30
